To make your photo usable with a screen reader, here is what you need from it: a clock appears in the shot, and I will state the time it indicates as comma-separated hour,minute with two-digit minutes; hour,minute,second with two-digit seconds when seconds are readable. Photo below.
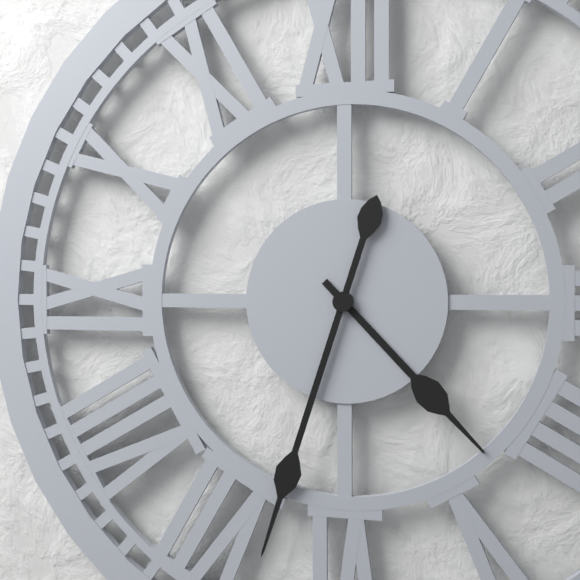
4,33
